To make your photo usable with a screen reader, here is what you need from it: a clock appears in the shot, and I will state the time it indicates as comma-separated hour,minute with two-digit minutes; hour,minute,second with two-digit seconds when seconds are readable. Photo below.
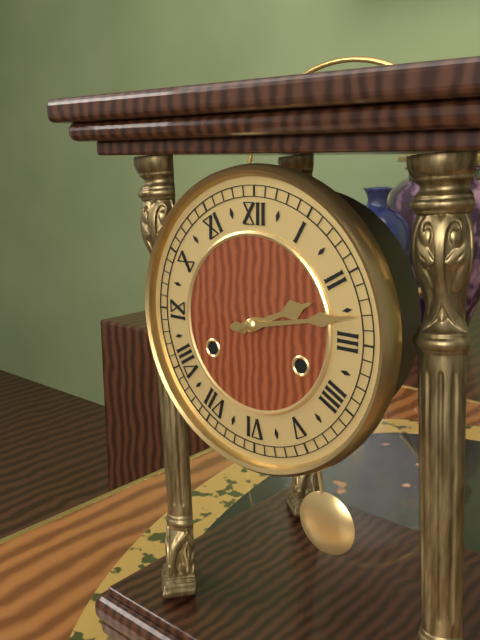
2,13
